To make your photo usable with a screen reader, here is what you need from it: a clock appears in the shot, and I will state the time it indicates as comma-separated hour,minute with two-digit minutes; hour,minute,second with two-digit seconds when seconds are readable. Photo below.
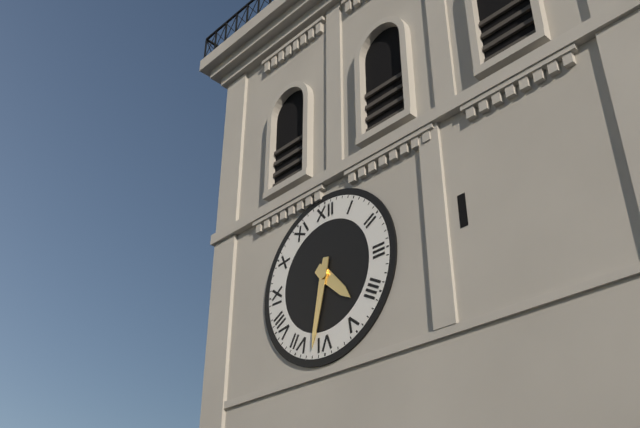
4,32
